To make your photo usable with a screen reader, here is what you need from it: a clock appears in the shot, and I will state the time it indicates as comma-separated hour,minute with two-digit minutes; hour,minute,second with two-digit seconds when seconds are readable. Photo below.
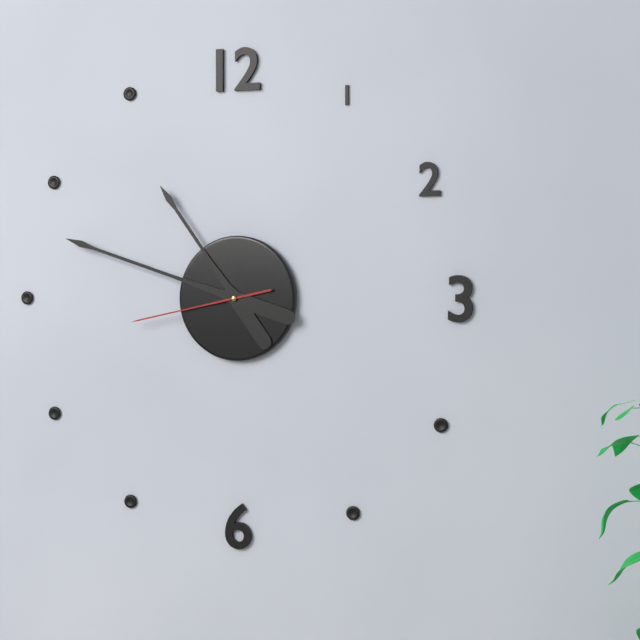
10,48,43
